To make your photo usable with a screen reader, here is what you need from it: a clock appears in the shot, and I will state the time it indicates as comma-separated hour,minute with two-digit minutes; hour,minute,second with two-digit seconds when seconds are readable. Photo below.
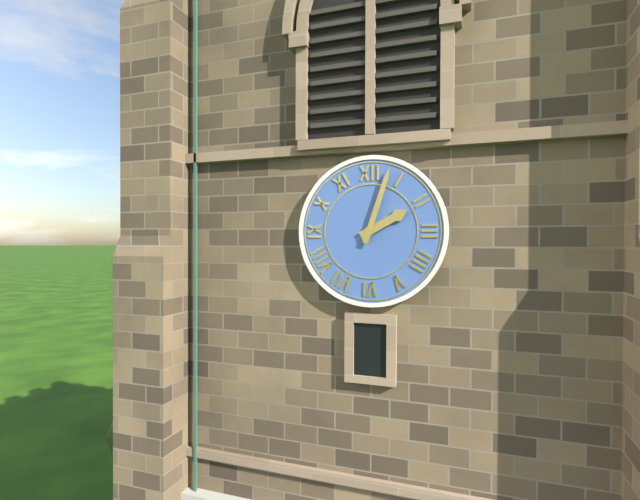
2,03
